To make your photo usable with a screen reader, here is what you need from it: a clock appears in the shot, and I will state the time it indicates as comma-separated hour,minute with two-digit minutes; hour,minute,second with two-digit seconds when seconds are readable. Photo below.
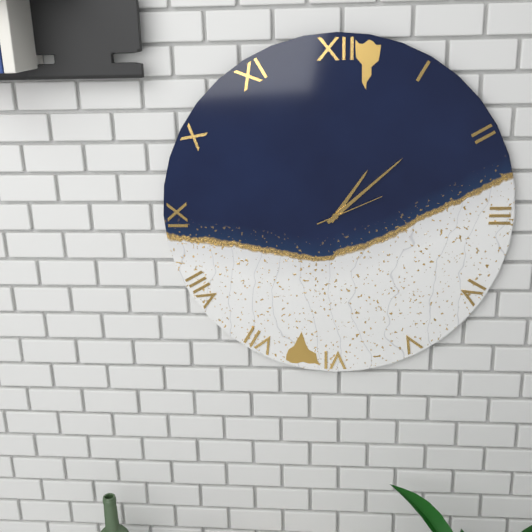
1,08,11
